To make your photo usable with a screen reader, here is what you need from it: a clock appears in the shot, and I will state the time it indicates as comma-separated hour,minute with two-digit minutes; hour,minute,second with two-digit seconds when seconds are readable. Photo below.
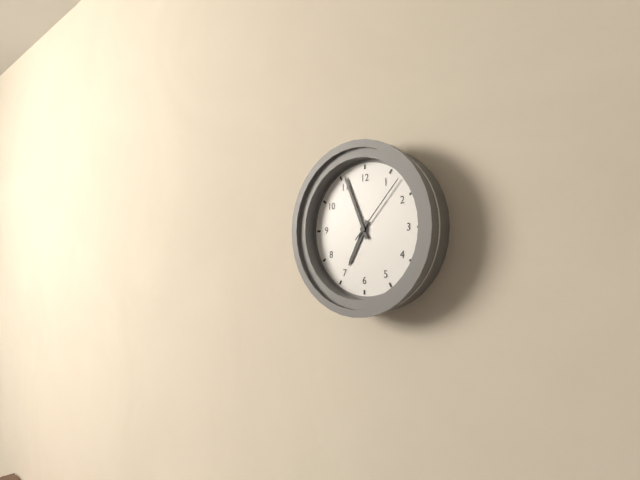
6,56,07
